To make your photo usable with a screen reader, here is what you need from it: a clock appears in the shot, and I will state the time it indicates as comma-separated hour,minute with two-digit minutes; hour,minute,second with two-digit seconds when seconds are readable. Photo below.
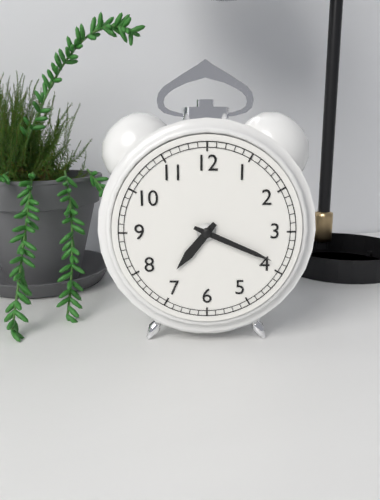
7,19
